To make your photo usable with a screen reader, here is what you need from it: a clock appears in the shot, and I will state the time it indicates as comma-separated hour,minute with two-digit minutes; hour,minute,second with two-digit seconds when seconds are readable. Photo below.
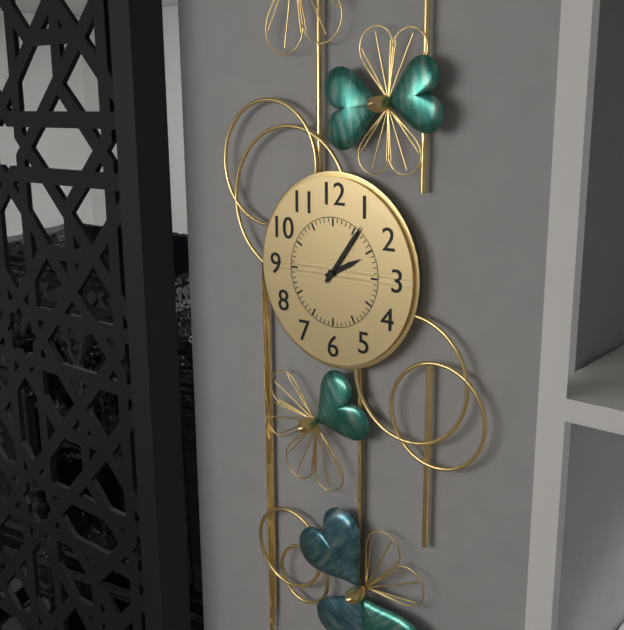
2,06
